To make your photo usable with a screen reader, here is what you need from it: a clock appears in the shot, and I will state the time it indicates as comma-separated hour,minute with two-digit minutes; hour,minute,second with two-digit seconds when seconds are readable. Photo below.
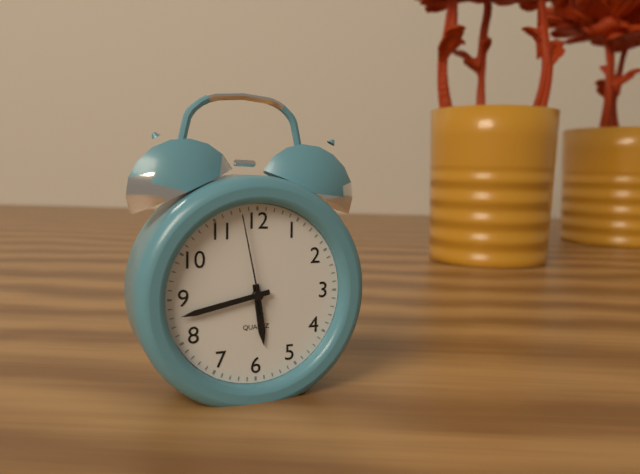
5,43,58
